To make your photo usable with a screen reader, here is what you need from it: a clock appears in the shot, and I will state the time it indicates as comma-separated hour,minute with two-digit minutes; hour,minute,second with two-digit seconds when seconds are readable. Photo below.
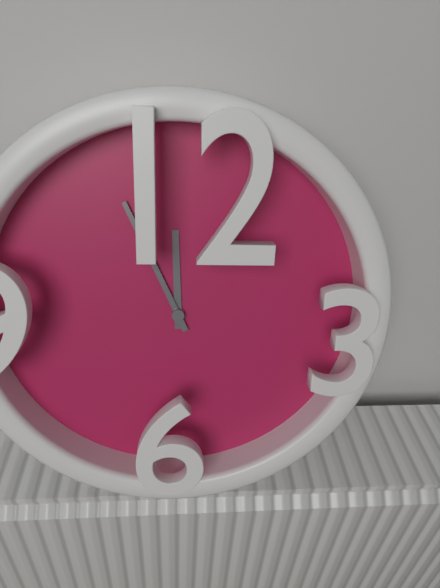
11,56
